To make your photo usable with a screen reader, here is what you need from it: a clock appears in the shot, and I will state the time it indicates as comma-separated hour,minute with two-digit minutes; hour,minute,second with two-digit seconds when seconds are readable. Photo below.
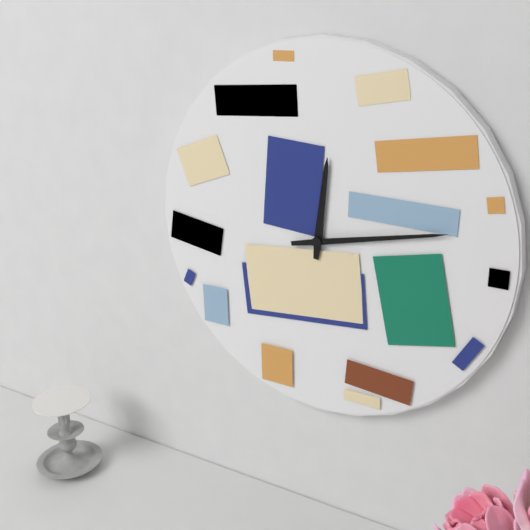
12,13
